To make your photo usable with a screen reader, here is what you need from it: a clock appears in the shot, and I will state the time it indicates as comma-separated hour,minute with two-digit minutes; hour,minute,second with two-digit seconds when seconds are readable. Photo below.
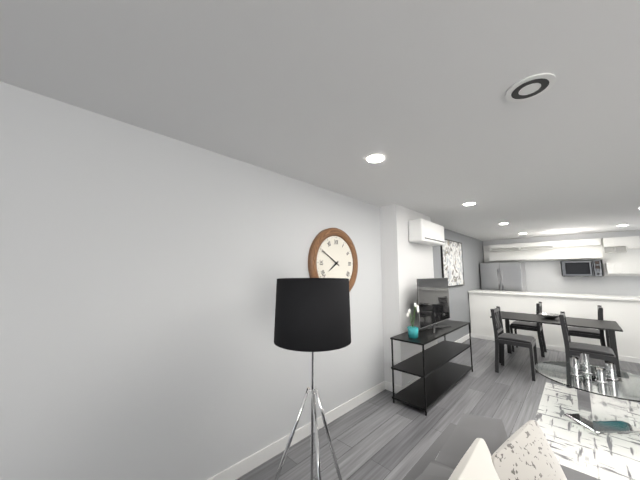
7,50
